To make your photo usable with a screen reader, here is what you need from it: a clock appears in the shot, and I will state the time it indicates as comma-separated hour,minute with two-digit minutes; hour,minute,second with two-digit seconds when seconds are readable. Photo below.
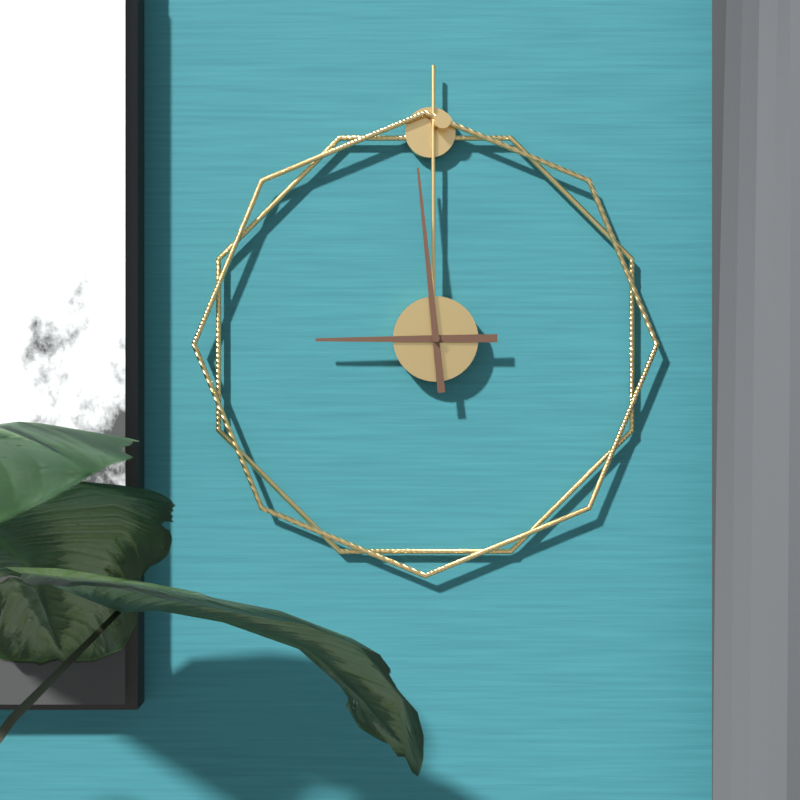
8,59
